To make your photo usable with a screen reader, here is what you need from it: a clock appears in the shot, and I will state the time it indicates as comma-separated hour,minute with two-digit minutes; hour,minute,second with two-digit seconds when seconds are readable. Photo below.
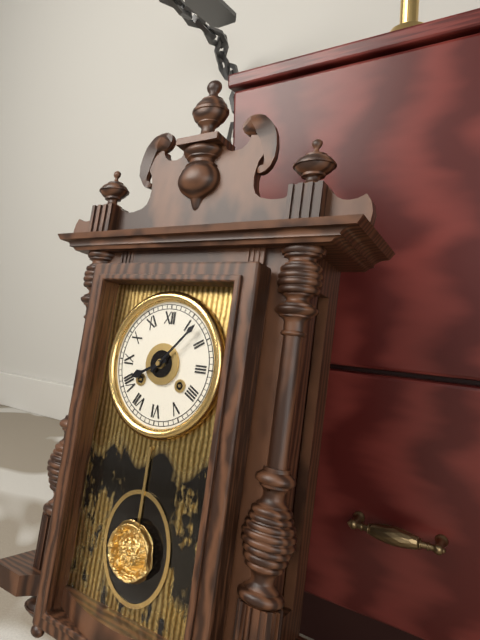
8,07
